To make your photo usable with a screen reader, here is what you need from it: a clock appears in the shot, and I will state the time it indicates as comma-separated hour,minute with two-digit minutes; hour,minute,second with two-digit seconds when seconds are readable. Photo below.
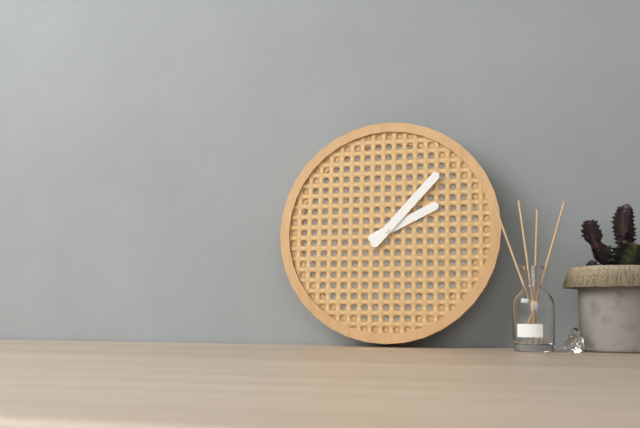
2,07
